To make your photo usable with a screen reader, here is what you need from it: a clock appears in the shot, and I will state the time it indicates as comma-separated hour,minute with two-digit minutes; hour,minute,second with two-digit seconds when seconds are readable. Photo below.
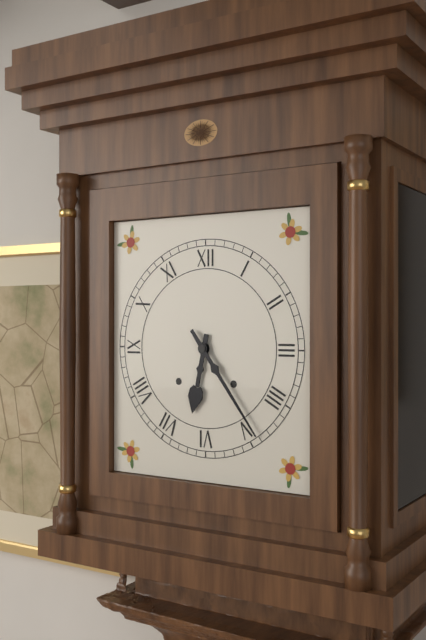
6,24
